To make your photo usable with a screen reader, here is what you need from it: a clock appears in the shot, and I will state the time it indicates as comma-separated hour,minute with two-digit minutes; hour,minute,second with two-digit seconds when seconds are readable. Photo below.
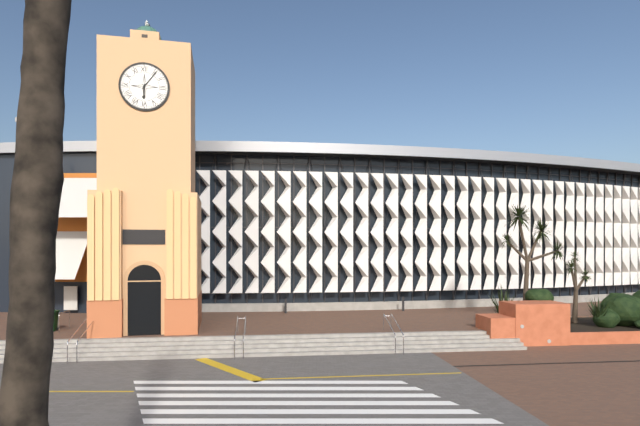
6,06
